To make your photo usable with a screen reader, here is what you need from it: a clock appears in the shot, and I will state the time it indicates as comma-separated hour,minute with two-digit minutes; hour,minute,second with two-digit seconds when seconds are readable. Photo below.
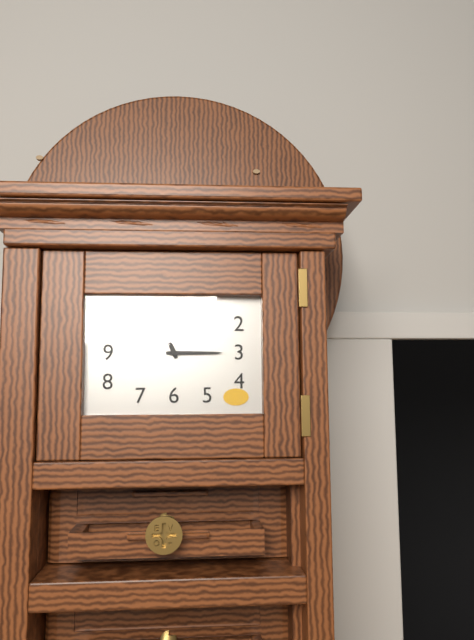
11,15
